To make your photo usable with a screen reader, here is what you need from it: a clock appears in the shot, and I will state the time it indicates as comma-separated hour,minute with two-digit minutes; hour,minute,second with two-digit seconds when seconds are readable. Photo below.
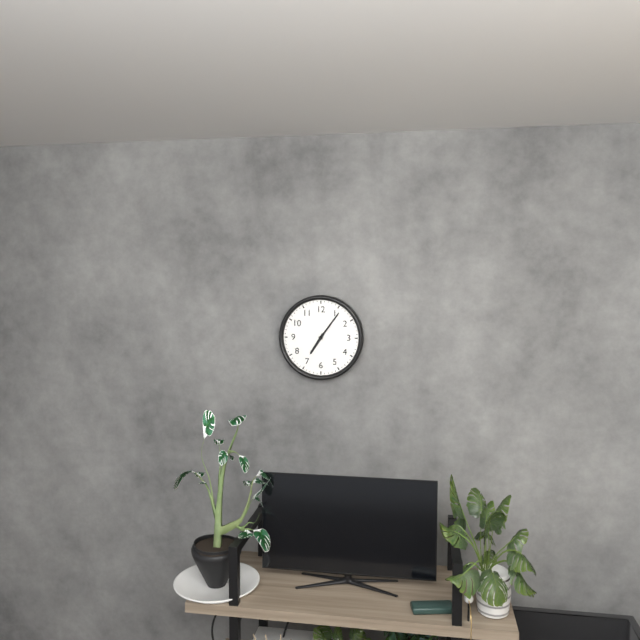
7,06
